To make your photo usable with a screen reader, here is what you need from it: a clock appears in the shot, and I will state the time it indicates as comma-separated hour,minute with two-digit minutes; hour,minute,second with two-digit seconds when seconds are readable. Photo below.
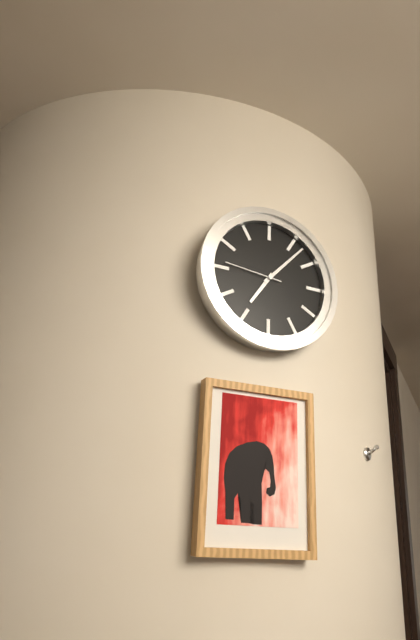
7,07,46
